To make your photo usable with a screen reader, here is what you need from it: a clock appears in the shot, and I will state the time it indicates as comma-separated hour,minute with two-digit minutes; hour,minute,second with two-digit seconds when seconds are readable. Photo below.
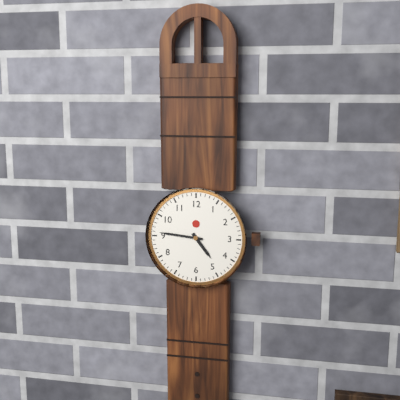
4,46
